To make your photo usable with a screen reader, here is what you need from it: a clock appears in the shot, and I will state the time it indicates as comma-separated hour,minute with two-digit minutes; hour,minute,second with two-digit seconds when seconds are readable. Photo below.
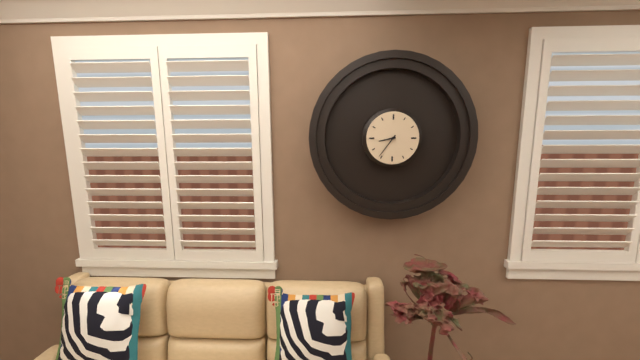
8,36
